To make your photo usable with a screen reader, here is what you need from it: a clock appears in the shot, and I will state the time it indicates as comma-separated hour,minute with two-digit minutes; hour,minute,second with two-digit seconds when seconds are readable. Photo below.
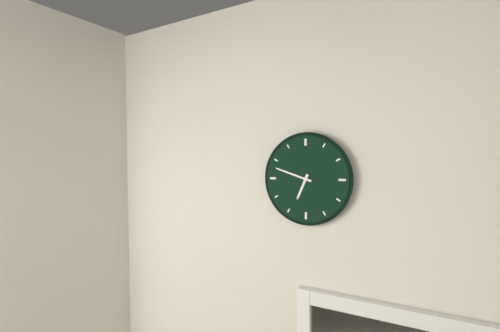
6,48
